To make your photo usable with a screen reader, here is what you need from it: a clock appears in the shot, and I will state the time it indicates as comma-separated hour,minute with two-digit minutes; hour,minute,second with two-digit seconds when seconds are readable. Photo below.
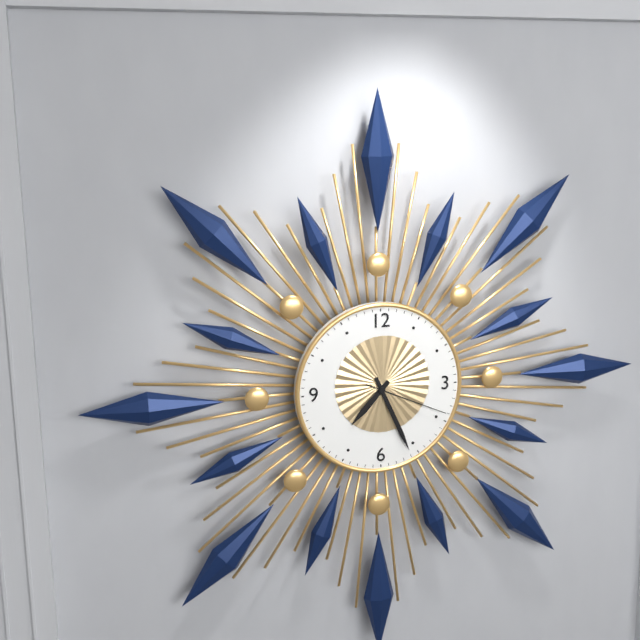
7,26,19
